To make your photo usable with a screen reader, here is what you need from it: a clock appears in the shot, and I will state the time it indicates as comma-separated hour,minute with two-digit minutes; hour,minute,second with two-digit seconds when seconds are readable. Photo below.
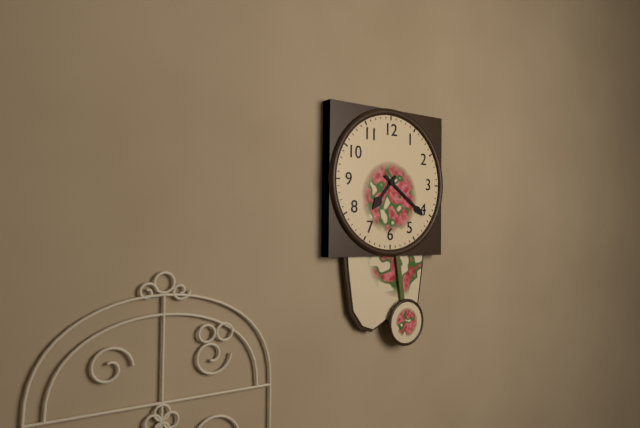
7,21
